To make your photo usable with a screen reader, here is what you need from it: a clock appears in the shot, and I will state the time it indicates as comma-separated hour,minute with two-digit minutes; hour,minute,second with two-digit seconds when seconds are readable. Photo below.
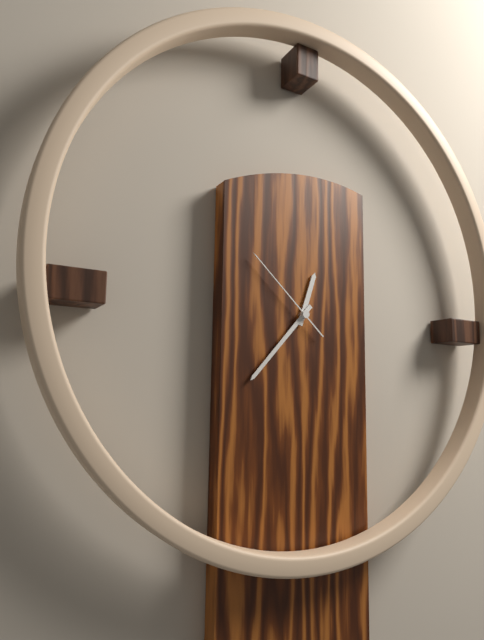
12,37,52
